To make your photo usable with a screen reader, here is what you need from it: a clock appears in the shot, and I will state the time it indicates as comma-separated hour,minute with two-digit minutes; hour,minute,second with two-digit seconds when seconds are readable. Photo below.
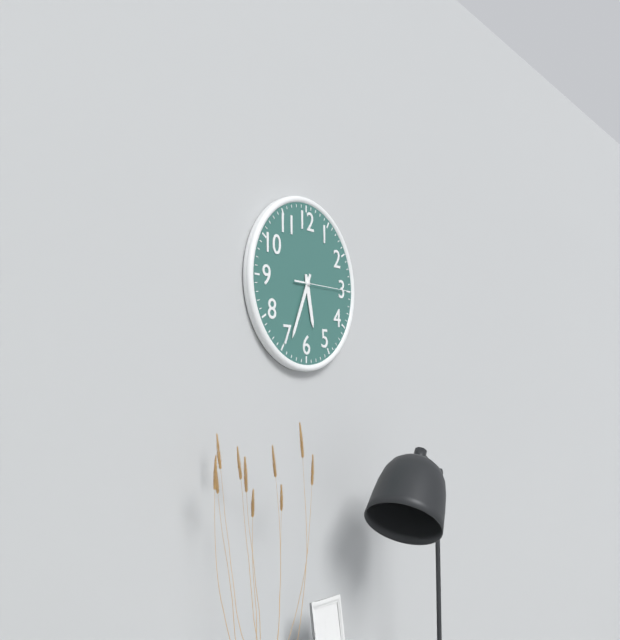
5,34,15
